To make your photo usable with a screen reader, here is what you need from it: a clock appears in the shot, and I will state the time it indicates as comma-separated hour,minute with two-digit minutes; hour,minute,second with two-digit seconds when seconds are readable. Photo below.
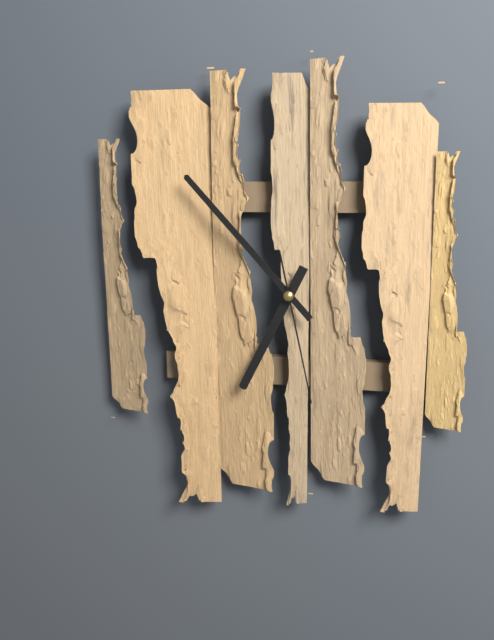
6,53,28
